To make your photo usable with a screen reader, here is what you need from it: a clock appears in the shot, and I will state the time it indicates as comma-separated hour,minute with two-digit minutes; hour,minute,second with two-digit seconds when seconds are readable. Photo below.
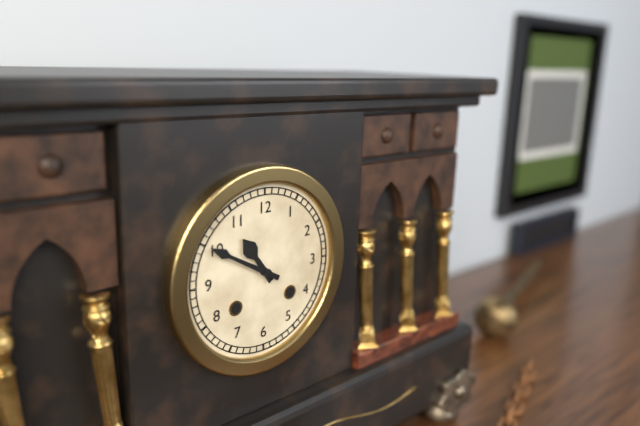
10,50
